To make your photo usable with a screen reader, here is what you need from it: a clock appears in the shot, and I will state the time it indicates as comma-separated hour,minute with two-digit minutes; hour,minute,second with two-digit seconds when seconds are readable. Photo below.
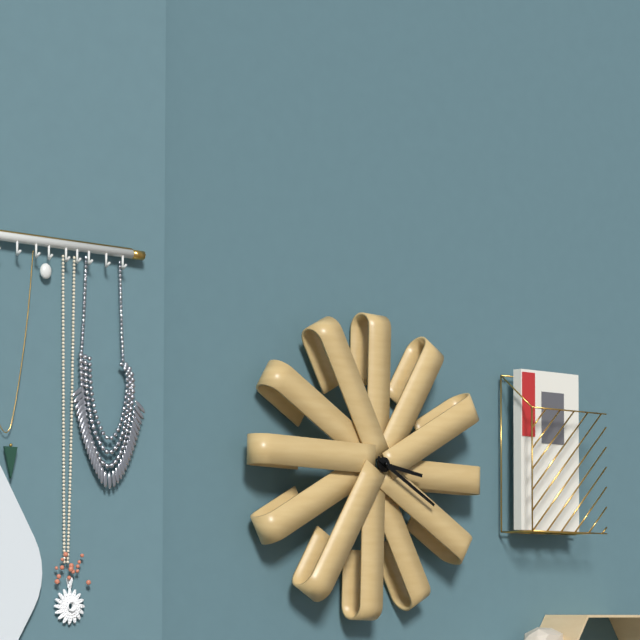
3,20
